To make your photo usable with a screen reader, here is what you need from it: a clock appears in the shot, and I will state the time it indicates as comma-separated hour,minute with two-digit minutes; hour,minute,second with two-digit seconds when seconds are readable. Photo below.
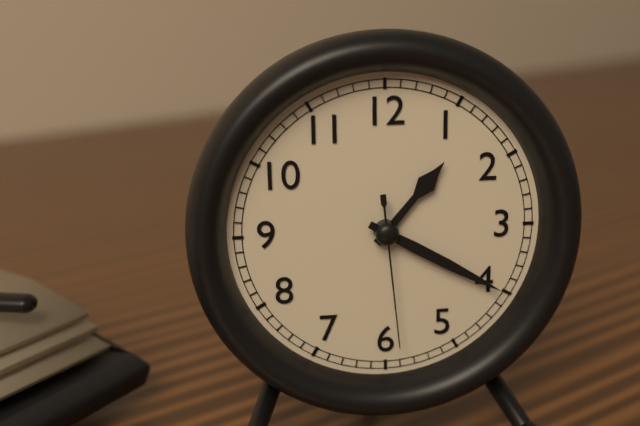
1,20,29
